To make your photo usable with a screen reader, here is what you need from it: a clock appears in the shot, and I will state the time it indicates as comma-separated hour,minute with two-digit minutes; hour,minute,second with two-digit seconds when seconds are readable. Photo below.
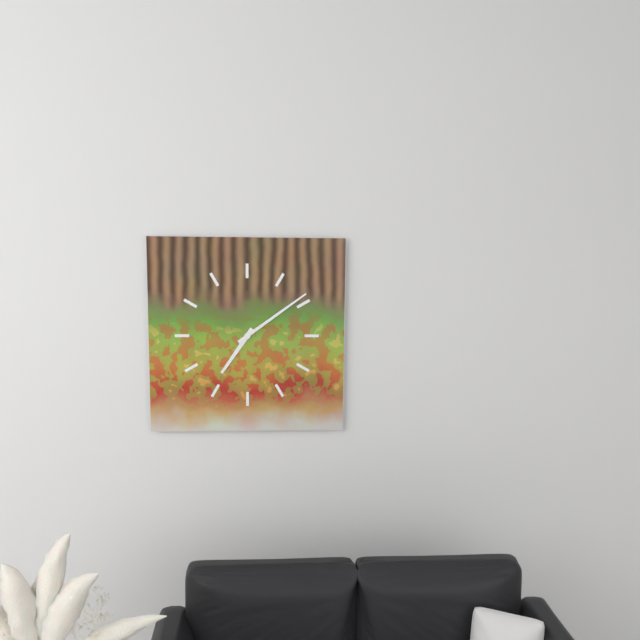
7,09
